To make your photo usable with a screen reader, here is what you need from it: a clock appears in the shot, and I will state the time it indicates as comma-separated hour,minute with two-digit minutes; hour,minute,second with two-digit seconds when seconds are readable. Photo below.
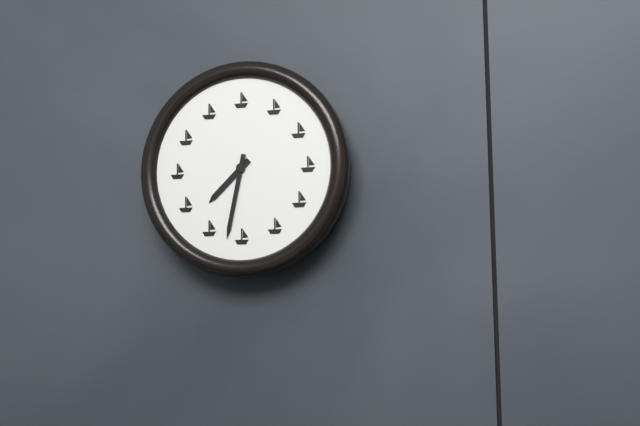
7,32
